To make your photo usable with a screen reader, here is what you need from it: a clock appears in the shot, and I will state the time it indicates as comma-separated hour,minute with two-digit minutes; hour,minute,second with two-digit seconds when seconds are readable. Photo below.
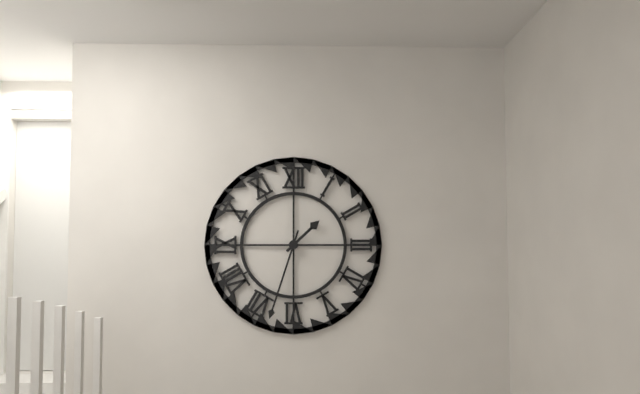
1,33
